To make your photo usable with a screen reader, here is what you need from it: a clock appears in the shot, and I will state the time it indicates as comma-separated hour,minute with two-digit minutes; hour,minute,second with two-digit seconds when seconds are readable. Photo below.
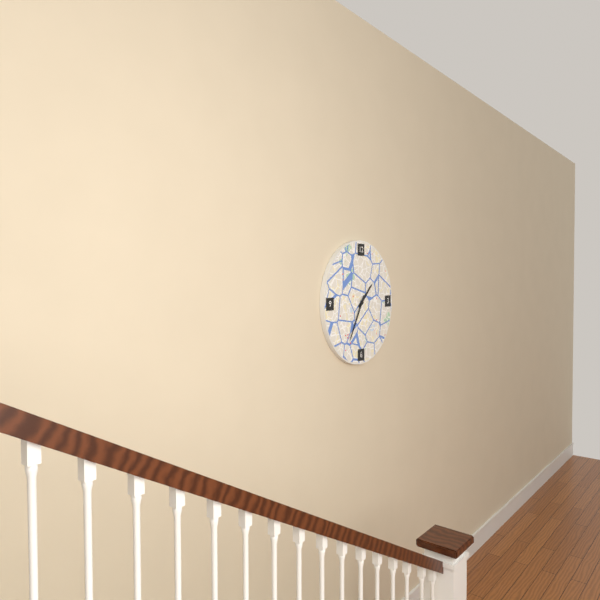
1,35
